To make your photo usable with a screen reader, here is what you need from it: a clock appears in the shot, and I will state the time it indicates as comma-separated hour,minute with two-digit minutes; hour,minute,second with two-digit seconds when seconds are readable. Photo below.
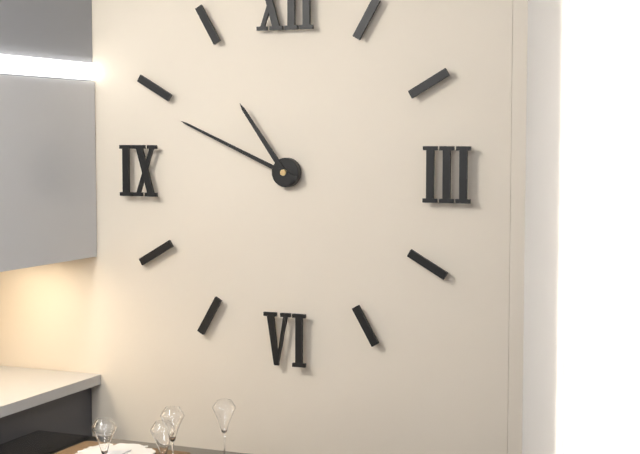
10,49
